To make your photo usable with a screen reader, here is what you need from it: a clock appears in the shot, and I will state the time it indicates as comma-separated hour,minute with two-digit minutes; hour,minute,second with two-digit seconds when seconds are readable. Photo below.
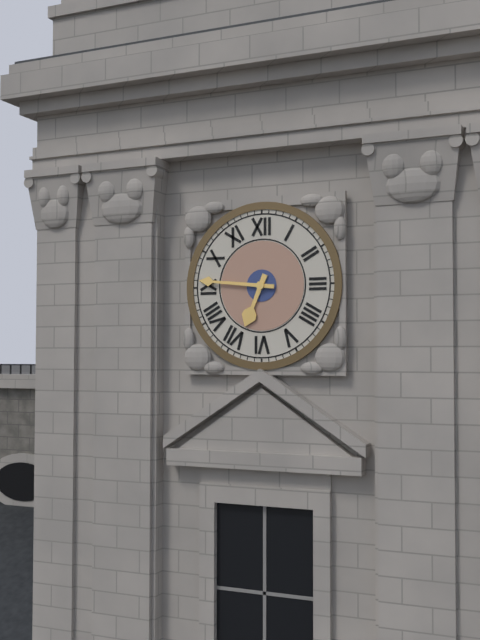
6,46
